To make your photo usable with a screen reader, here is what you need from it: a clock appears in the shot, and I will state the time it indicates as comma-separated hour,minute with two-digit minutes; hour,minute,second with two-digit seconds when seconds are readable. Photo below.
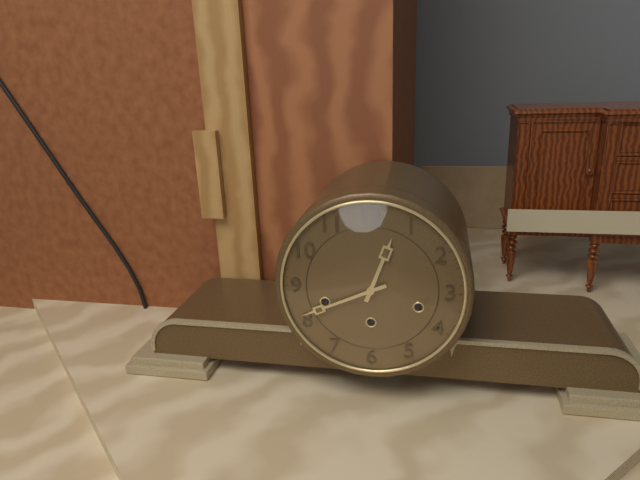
12,41
